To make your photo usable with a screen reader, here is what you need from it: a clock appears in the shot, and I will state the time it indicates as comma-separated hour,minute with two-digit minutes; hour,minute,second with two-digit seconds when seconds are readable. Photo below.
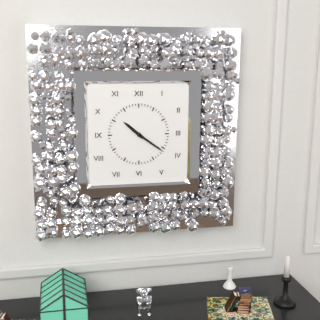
10,21
